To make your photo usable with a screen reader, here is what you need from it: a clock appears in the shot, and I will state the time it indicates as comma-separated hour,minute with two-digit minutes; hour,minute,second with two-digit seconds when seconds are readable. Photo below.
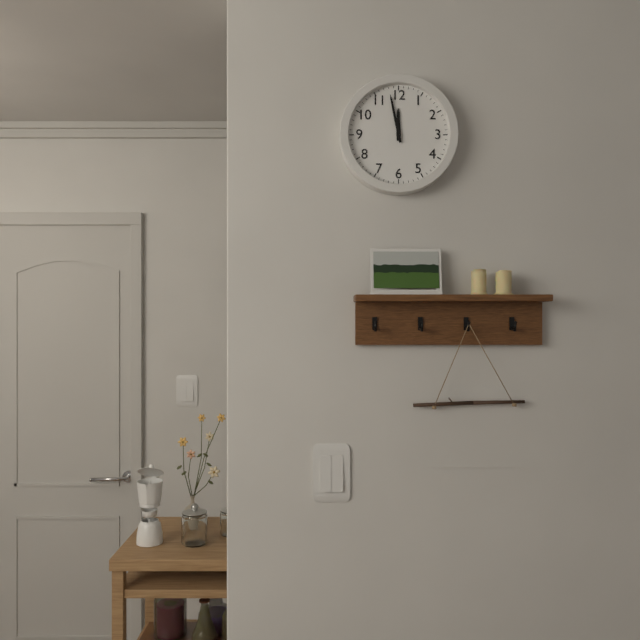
11,58
